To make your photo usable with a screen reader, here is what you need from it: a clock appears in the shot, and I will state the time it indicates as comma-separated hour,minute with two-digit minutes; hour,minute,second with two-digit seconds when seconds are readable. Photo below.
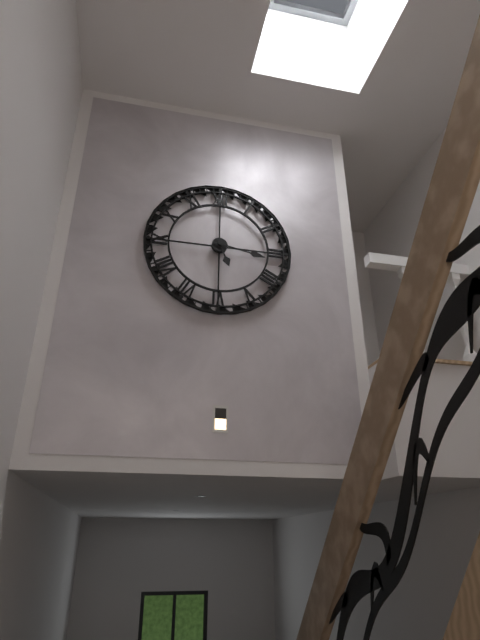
5,17
